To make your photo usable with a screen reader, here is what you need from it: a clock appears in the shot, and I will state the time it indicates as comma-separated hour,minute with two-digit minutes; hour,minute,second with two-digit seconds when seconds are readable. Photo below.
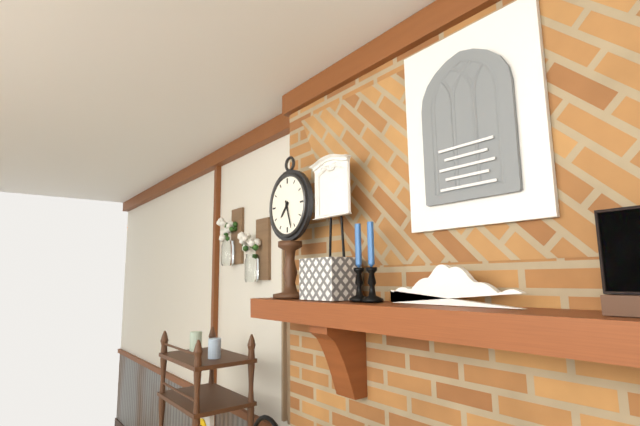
7,27
